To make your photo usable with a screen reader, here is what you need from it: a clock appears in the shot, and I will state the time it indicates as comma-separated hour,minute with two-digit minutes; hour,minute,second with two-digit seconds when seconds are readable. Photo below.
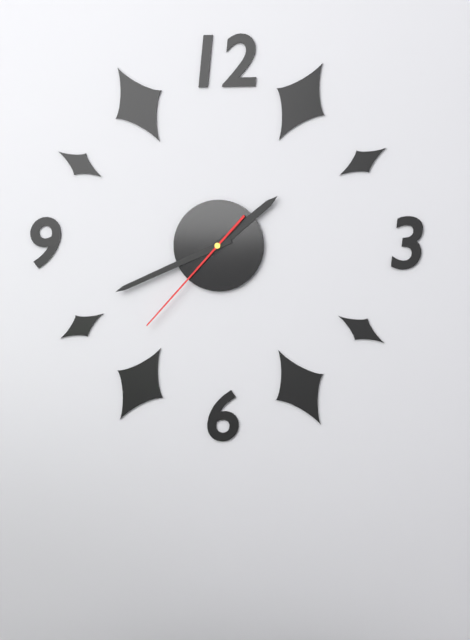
1,41,37
